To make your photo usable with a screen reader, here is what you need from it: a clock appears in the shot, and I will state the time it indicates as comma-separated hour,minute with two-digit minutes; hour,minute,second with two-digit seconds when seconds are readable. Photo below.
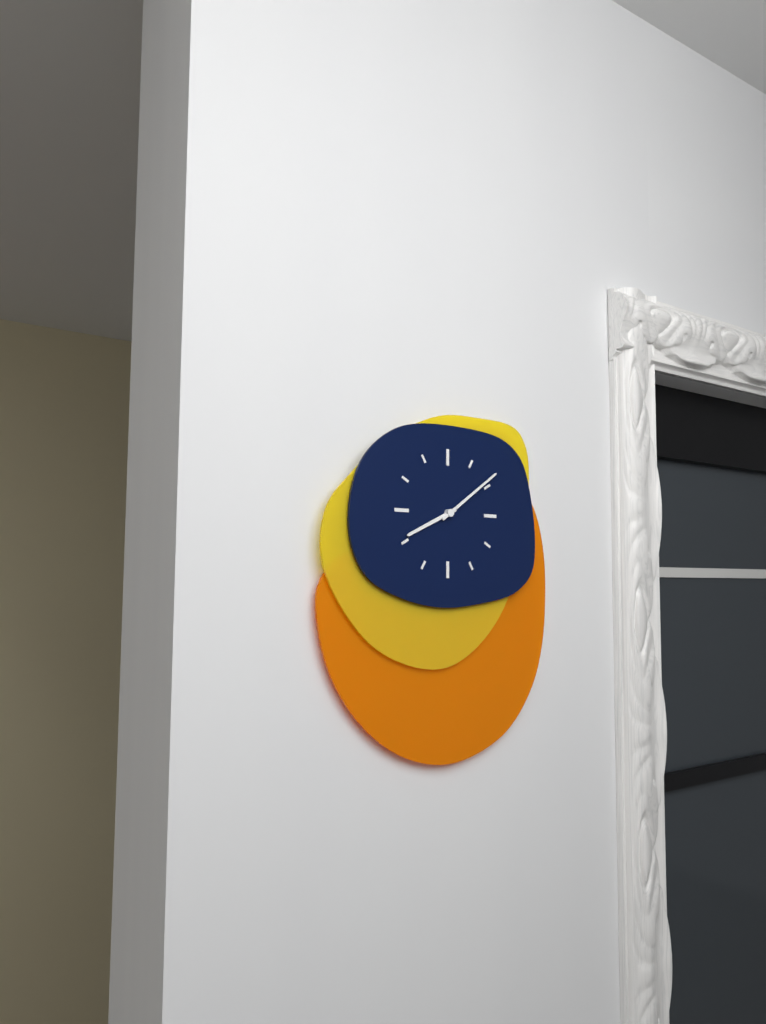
8,09
